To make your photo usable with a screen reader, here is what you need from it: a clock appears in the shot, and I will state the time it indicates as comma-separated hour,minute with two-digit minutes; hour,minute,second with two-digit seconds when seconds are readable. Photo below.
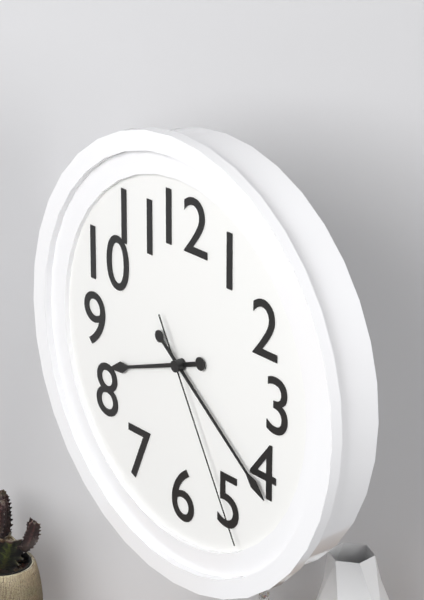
8,21,25
